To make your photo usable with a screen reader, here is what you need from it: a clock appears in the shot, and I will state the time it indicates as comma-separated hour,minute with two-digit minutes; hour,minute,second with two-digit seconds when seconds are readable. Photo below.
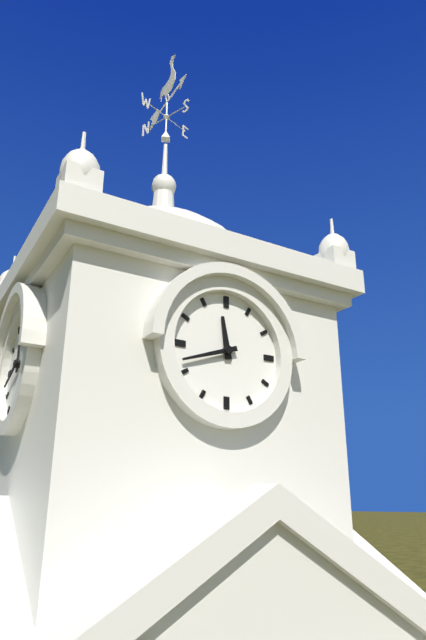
11,42
